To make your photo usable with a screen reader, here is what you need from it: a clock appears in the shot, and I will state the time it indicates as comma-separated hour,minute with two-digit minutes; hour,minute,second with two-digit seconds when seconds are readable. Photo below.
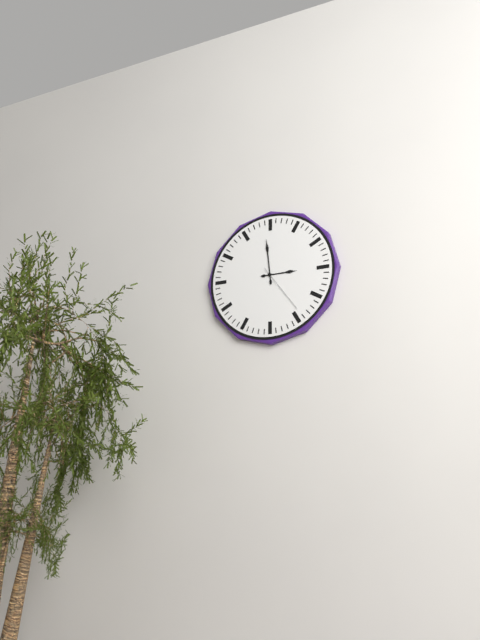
2,59,24
